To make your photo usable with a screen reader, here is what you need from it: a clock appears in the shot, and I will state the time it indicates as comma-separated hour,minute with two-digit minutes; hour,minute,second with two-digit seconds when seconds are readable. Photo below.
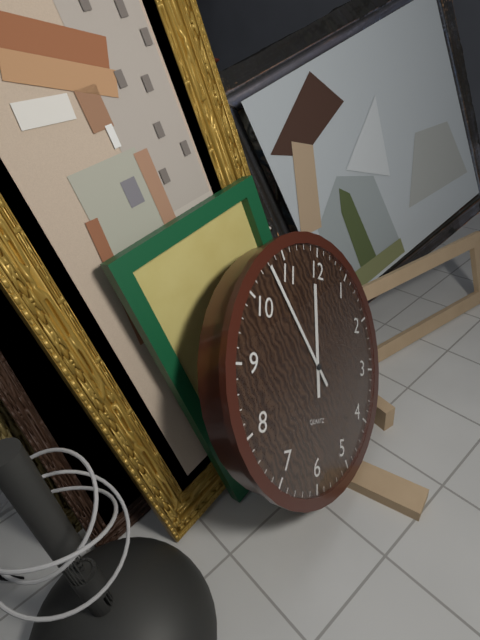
11,53
